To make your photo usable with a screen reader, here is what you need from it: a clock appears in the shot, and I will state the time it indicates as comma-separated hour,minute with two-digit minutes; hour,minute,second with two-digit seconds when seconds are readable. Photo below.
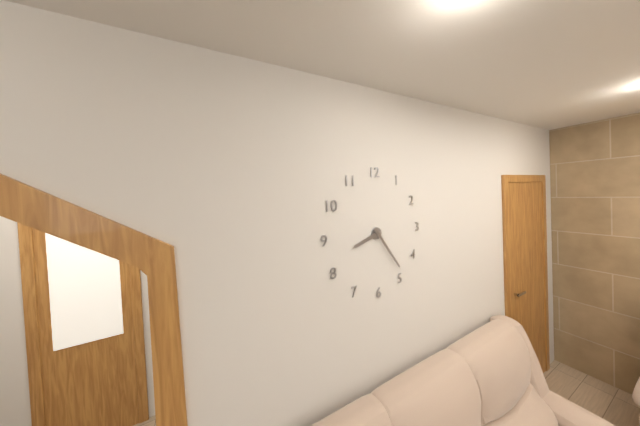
8,24
